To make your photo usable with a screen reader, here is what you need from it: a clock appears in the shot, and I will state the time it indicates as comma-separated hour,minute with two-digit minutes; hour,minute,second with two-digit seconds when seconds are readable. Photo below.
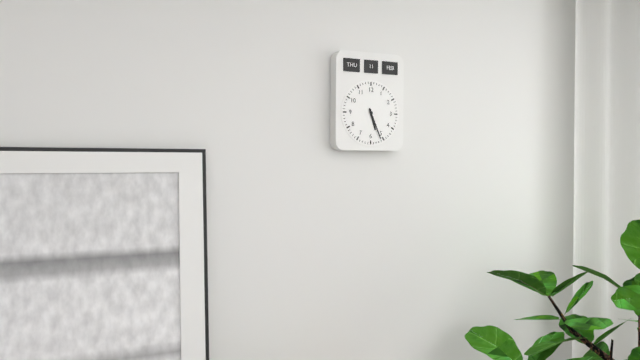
5,26
